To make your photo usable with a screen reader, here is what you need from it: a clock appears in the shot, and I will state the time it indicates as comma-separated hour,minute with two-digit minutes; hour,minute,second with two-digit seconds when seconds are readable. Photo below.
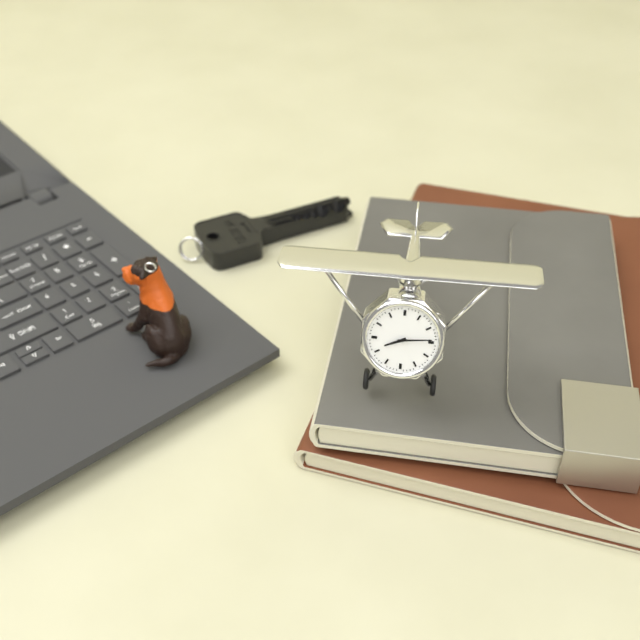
8,14
